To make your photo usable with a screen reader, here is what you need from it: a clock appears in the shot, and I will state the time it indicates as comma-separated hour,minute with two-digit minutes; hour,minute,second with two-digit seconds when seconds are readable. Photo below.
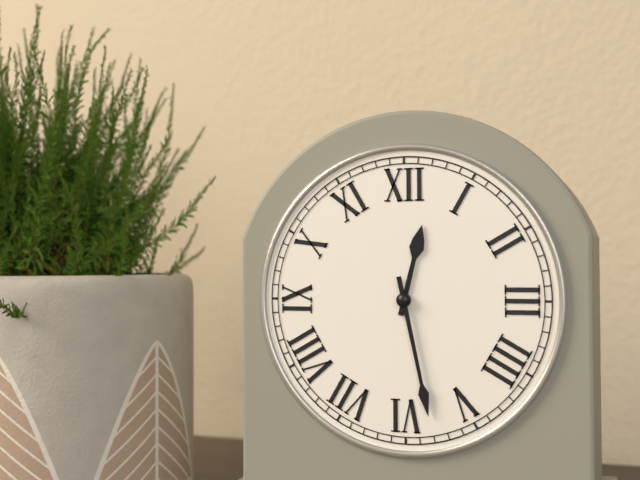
12,28
